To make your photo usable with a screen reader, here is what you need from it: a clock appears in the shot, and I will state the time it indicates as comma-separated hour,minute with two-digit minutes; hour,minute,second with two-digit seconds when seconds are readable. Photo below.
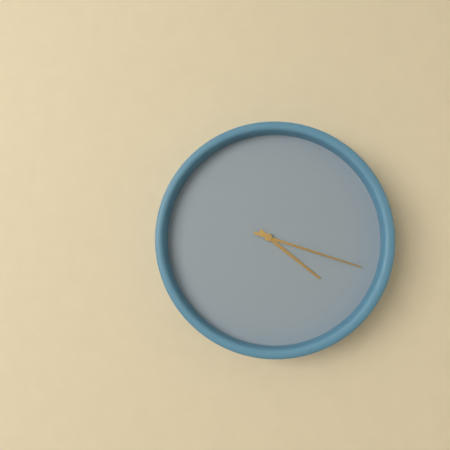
4,18
